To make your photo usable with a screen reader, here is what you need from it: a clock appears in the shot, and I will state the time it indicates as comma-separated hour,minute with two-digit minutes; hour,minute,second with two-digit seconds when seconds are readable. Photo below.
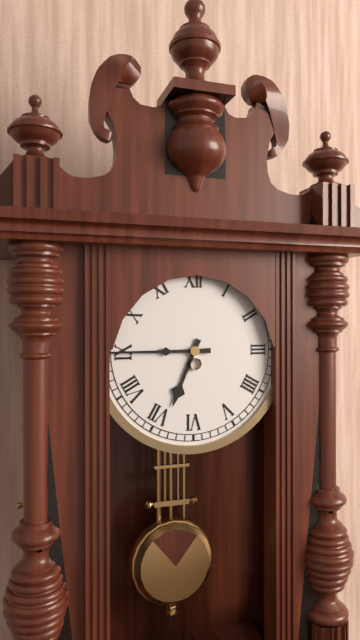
6,45
